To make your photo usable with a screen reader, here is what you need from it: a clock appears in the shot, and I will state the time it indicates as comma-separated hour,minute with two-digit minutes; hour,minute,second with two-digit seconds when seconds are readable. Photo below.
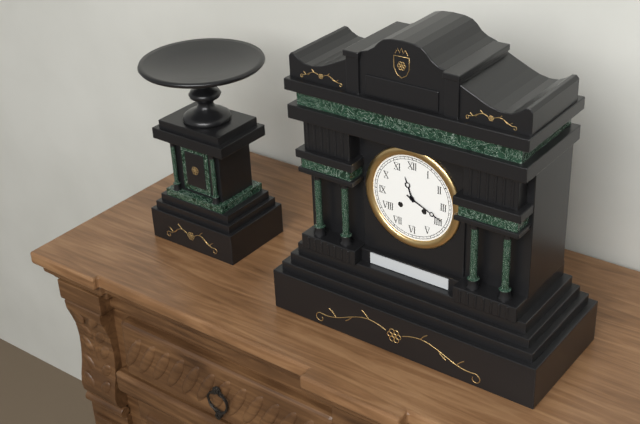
11,19
